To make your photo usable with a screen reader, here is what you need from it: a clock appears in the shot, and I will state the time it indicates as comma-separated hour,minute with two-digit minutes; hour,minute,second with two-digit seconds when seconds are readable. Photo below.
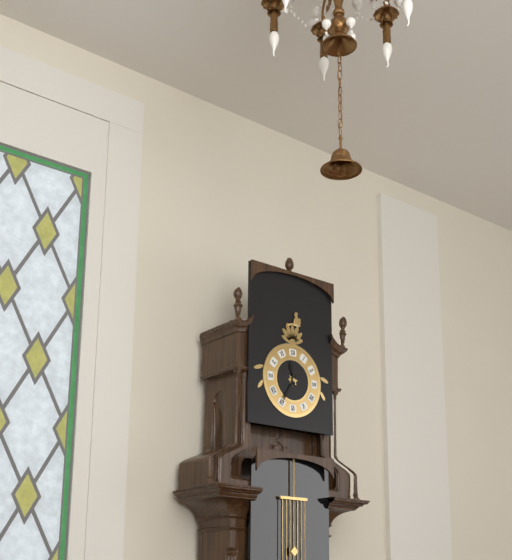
11,35
